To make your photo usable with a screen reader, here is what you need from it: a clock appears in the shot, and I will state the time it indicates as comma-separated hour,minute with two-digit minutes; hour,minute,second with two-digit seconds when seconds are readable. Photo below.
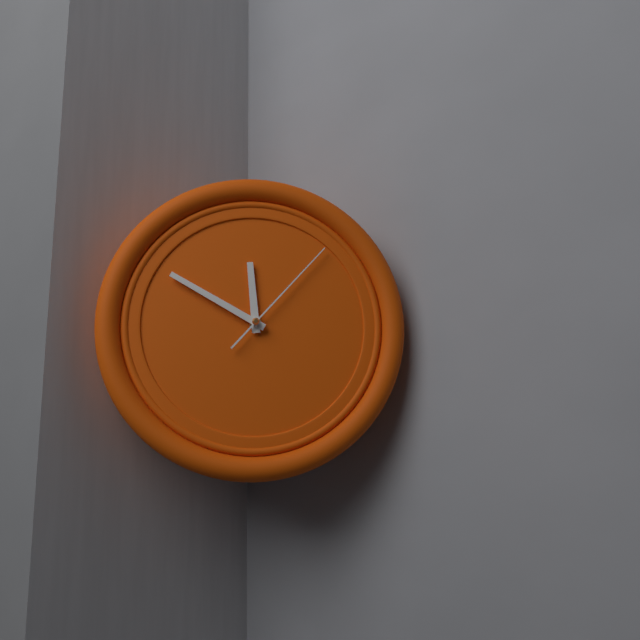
11,50,07
